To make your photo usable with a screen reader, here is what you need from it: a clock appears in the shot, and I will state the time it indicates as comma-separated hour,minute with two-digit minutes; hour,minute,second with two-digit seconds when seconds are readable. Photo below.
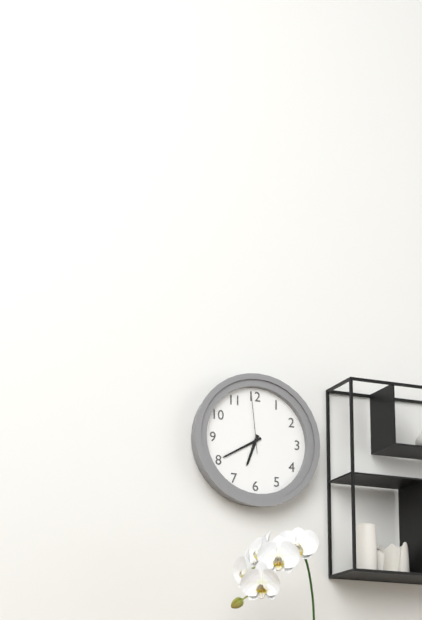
6,40,59
